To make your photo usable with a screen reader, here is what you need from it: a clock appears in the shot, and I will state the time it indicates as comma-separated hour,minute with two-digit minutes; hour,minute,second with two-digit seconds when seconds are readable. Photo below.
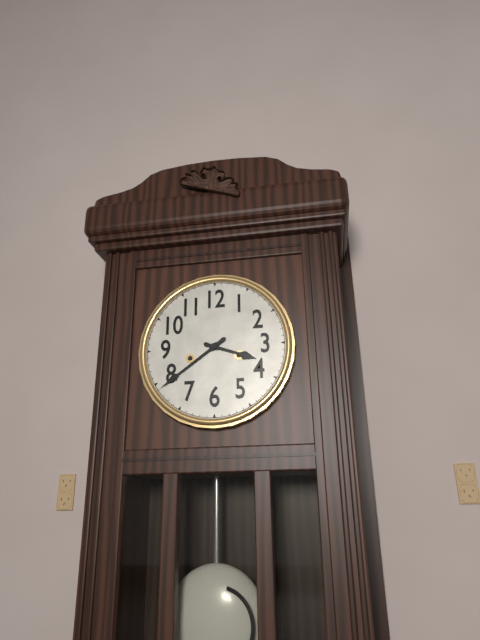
3,39
